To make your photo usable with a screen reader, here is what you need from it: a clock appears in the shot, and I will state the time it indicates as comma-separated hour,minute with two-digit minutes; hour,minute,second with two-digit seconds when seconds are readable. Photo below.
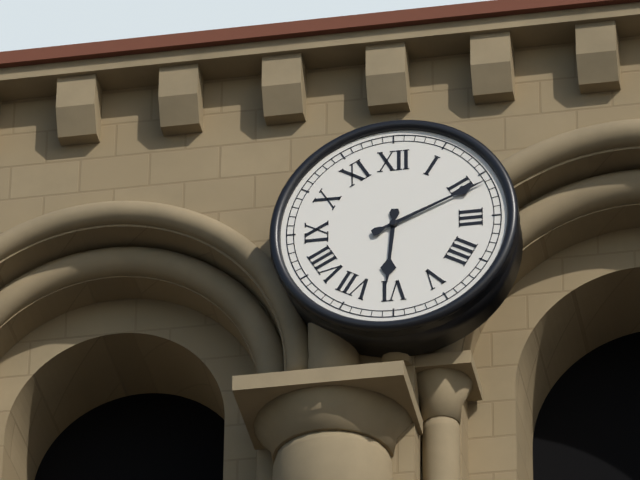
6,11
